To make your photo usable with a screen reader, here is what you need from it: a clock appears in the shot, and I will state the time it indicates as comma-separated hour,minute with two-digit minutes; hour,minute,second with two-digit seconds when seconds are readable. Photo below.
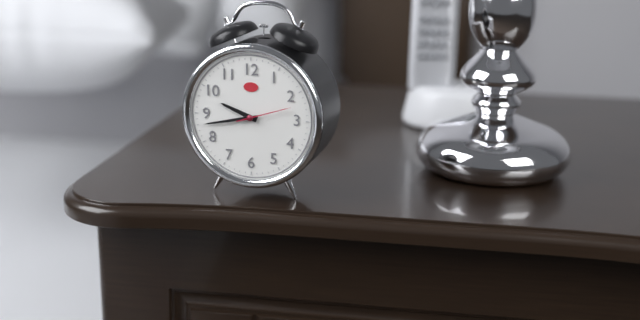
9,43,12
